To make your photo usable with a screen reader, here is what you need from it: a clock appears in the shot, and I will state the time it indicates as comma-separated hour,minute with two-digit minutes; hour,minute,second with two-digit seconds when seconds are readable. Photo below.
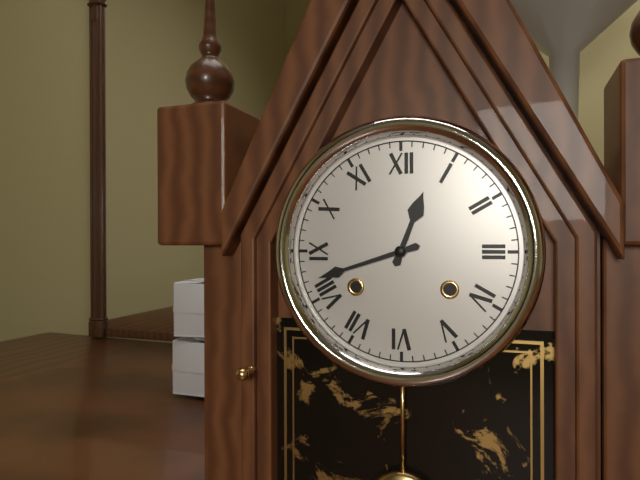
12,42
